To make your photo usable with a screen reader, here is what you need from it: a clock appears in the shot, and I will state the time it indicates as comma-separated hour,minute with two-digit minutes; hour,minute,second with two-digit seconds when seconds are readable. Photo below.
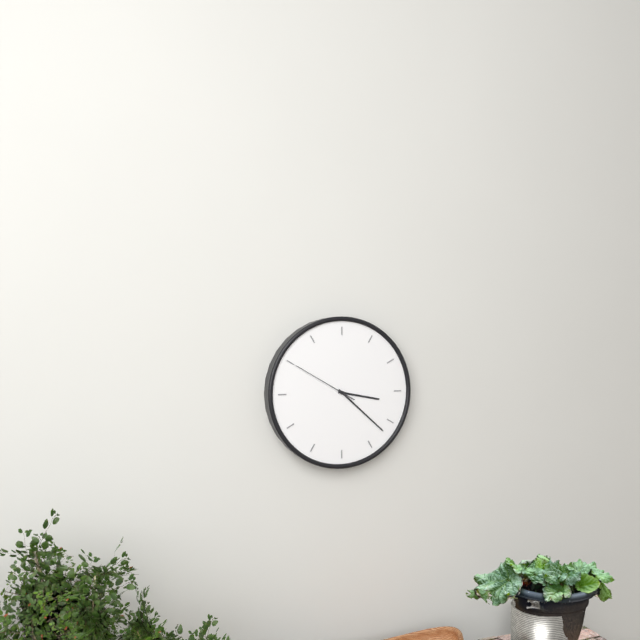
3,22,50
